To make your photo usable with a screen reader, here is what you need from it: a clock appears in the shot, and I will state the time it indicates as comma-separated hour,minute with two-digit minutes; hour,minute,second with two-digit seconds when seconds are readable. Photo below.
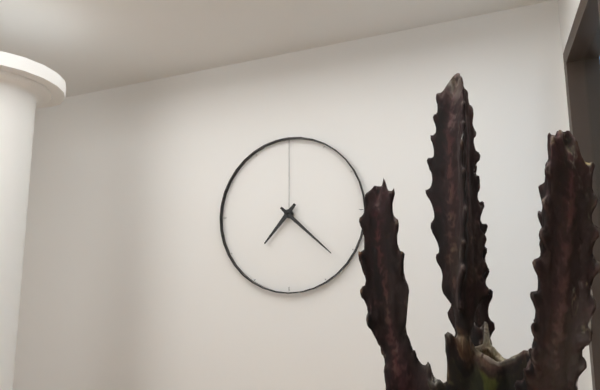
7,22
